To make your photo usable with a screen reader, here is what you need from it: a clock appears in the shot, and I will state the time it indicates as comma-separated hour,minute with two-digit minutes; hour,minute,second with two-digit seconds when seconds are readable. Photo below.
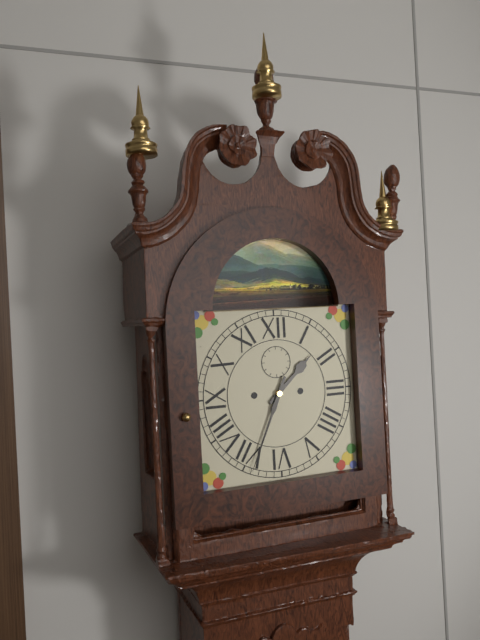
1,34
